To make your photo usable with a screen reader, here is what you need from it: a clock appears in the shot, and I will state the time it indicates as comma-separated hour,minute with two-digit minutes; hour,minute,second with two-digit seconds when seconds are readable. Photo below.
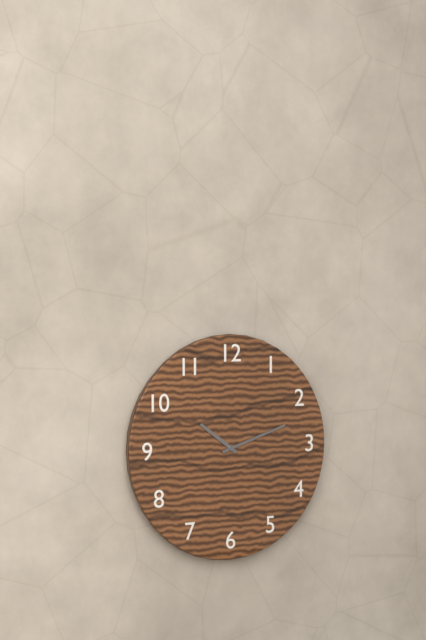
10,12
